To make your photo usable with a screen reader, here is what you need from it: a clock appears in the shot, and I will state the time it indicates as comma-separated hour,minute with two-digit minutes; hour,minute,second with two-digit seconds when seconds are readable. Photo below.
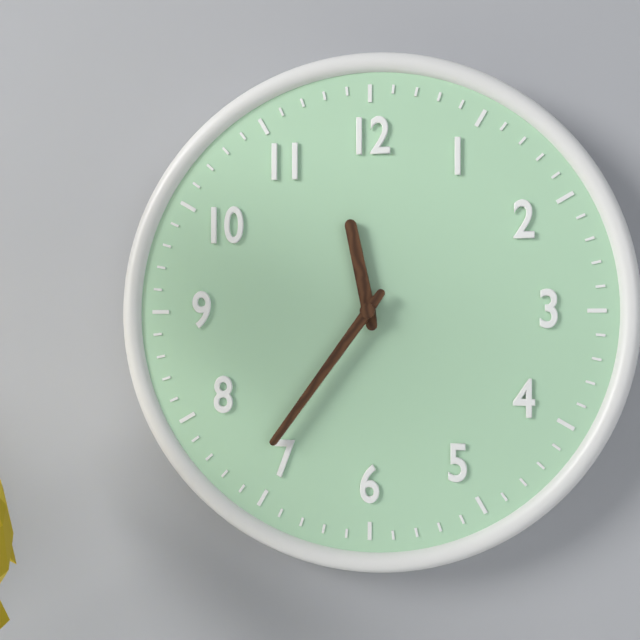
11,36
